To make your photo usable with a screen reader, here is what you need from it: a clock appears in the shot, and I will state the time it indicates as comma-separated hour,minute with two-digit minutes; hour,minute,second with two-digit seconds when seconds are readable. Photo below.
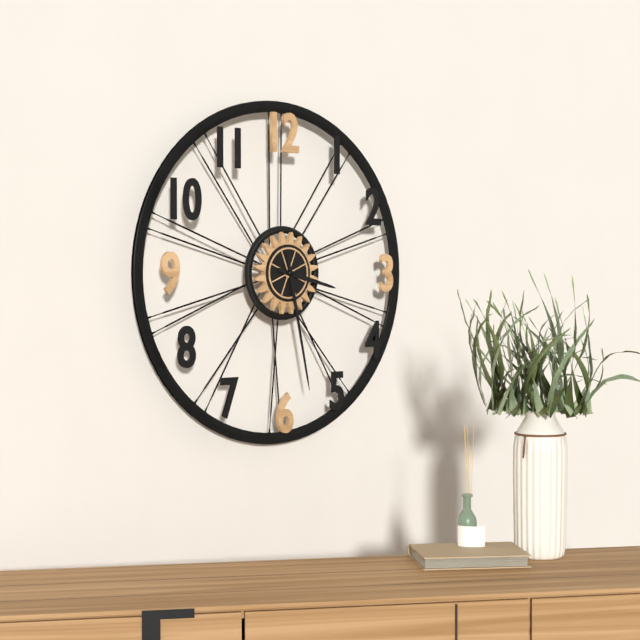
3,28
